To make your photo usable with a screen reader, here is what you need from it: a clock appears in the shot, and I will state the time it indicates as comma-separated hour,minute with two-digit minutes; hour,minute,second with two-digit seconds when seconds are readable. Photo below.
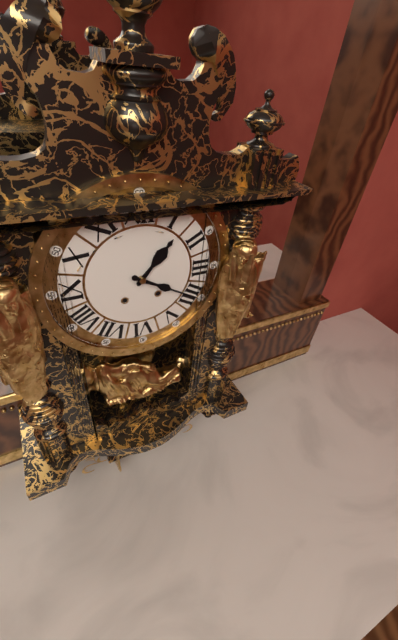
1,20
